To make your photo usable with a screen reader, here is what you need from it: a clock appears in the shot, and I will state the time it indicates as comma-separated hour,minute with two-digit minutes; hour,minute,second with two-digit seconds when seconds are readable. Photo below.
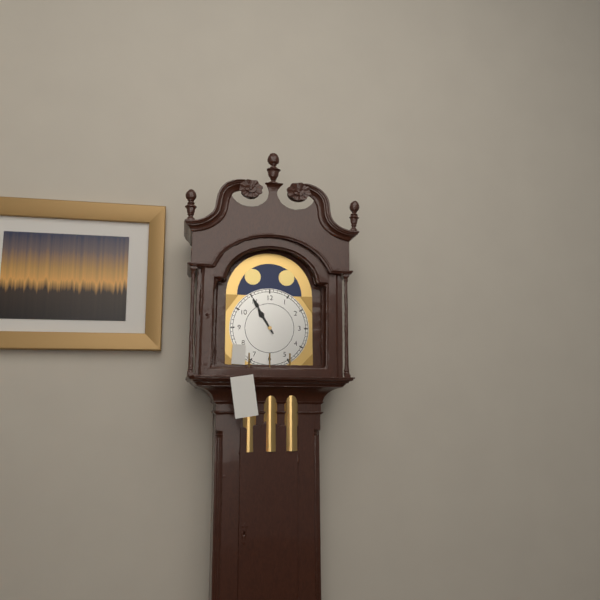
10,55
